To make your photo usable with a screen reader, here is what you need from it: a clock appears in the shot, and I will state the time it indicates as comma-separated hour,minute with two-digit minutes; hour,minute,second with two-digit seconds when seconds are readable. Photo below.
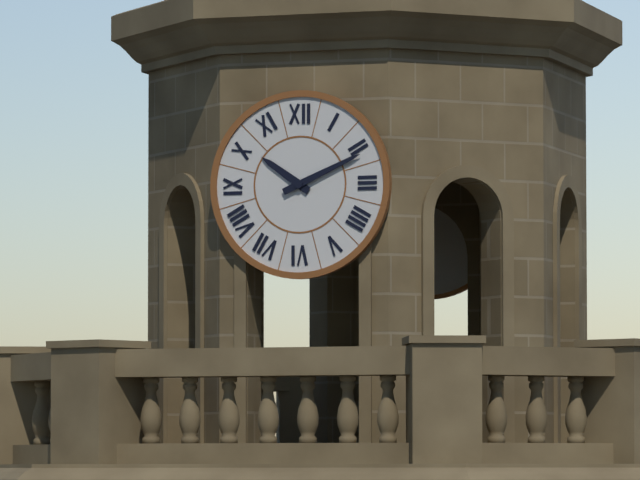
10,11
